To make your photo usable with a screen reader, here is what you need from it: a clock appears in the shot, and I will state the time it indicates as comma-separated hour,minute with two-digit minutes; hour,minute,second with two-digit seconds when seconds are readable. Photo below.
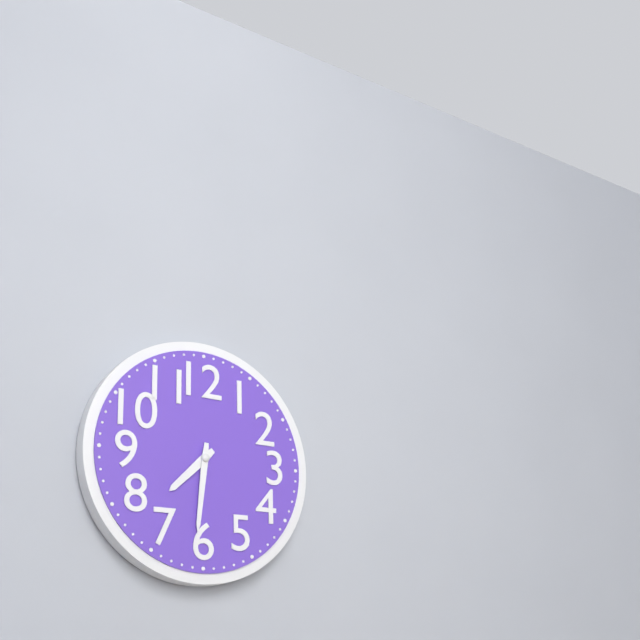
7,31
